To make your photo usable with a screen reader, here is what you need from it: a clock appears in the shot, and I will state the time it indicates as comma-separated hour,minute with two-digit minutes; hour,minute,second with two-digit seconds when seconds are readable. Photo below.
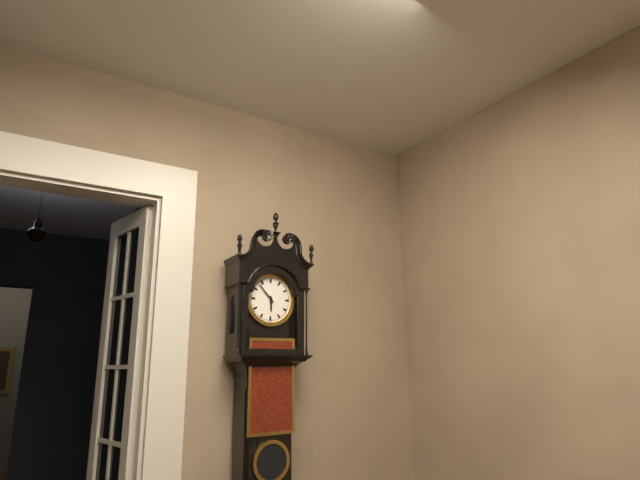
5,53
